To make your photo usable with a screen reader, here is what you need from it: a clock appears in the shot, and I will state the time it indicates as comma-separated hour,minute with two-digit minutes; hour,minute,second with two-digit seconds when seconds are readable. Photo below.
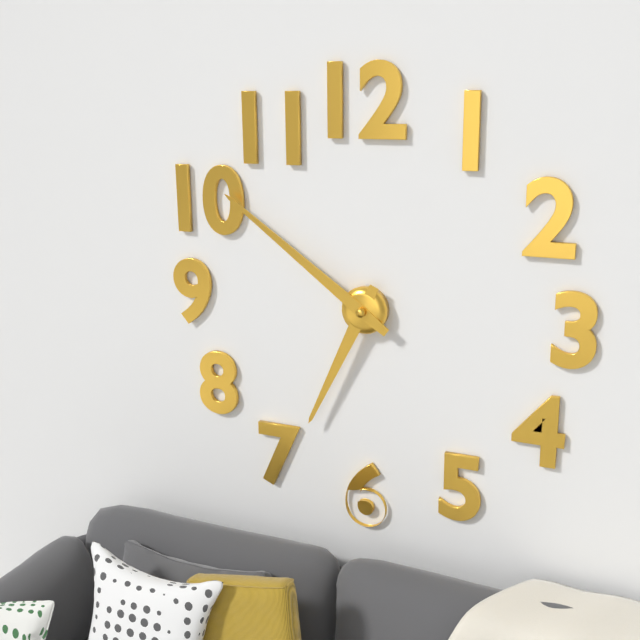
6,51
